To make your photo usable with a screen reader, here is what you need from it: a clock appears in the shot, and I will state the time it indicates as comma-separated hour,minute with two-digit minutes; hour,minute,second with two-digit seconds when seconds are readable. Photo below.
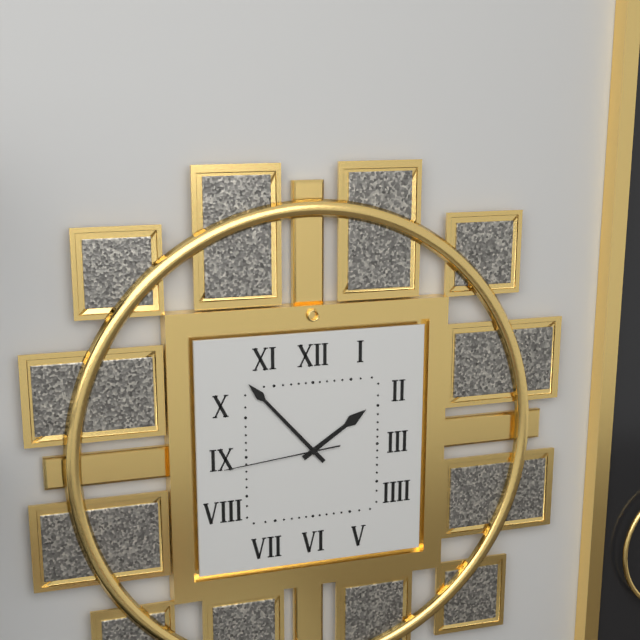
1,53,44
